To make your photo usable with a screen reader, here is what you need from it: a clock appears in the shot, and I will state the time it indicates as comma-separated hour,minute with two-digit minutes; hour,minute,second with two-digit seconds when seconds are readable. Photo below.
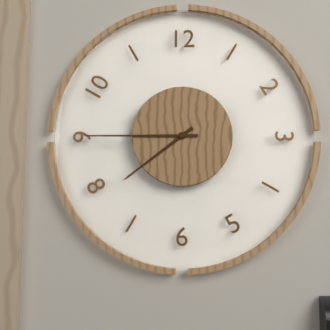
7,45
